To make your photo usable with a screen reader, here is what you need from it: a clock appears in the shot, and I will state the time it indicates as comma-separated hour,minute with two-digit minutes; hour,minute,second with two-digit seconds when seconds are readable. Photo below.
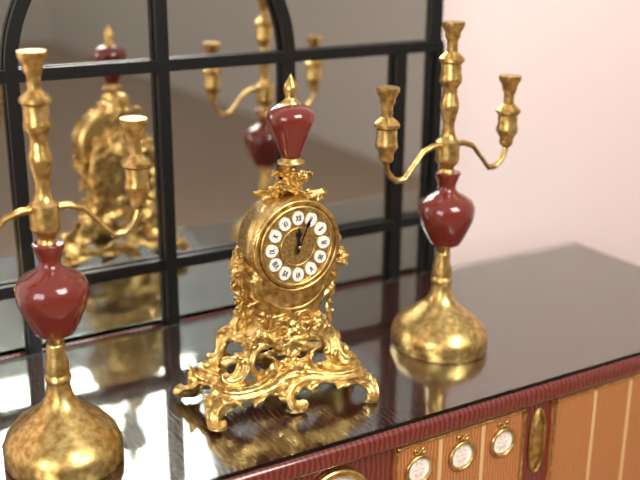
12,04
